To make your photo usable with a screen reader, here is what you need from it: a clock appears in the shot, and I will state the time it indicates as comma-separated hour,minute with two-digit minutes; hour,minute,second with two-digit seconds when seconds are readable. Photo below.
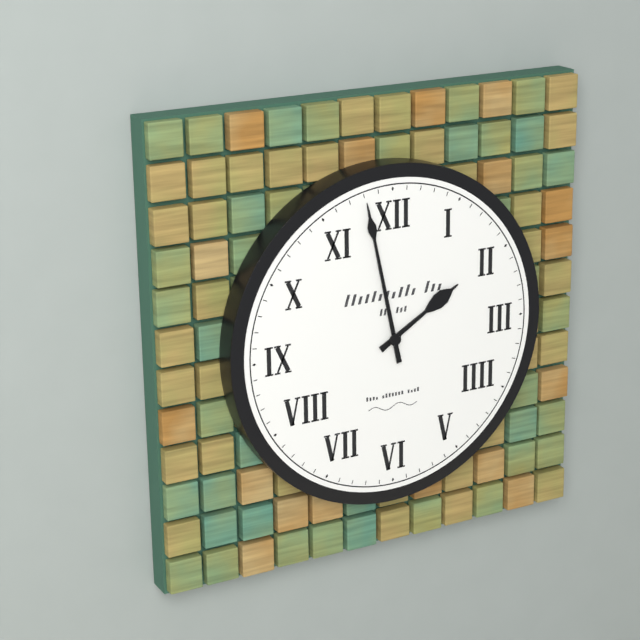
1,58
